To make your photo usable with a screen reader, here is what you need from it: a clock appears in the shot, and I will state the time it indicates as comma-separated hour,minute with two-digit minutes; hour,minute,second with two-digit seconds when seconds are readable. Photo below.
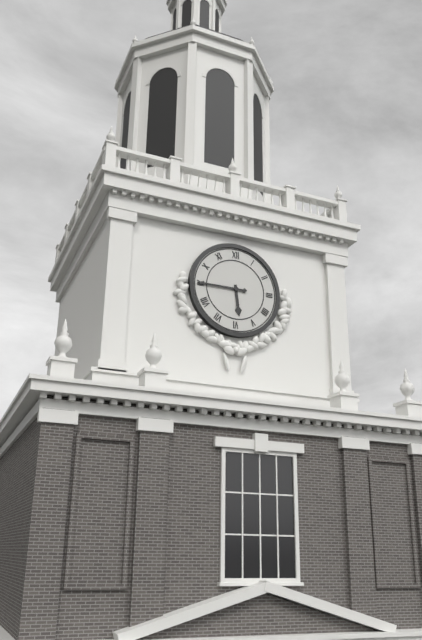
5,45
